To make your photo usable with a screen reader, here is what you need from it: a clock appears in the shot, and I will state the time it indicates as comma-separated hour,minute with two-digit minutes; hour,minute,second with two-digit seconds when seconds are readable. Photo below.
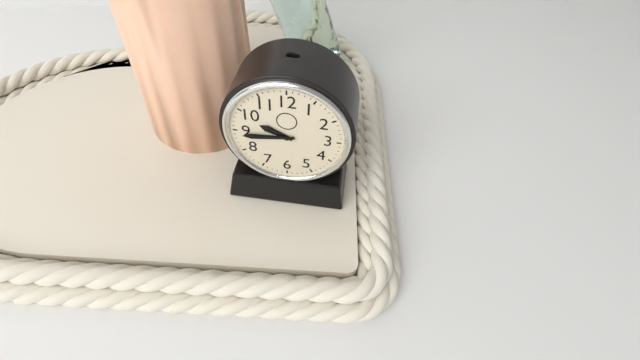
9,44
